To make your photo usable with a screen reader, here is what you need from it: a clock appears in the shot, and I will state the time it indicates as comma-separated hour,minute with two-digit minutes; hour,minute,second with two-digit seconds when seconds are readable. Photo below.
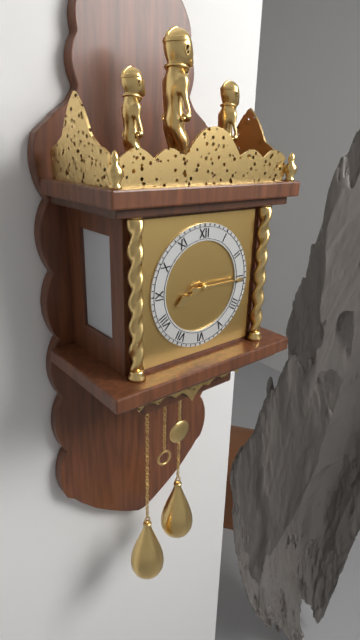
8,15
